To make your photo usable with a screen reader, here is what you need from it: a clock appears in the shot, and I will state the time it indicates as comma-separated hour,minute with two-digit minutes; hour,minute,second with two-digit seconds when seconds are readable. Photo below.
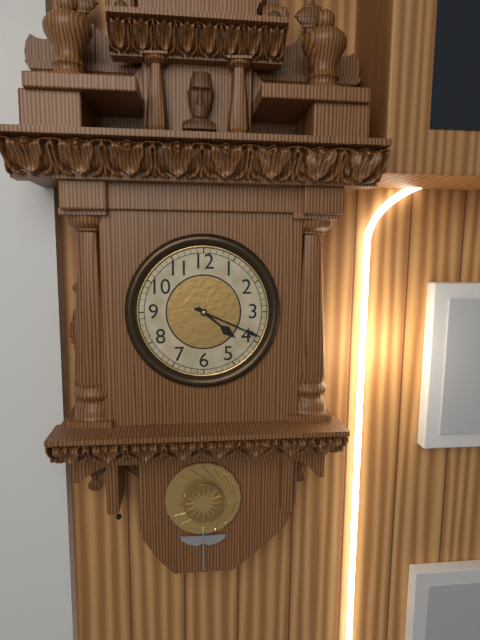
4,19
